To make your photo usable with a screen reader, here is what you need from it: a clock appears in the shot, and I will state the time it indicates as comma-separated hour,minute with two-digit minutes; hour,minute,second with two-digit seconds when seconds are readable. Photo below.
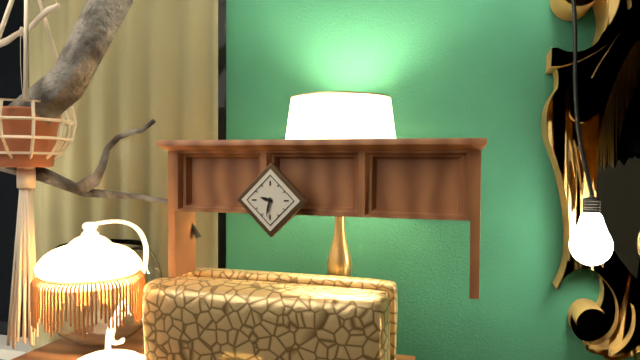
9,32
